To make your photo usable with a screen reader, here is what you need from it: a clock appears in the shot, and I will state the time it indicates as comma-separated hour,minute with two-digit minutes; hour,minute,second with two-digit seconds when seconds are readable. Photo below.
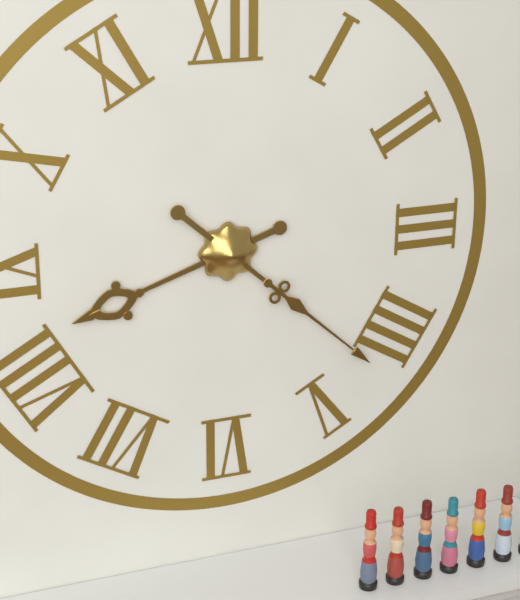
8,22
